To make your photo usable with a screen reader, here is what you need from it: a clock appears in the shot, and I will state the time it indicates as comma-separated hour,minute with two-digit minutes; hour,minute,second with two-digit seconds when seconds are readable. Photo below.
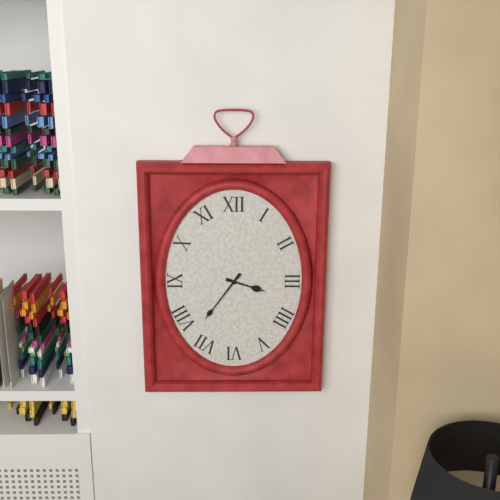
3,36
